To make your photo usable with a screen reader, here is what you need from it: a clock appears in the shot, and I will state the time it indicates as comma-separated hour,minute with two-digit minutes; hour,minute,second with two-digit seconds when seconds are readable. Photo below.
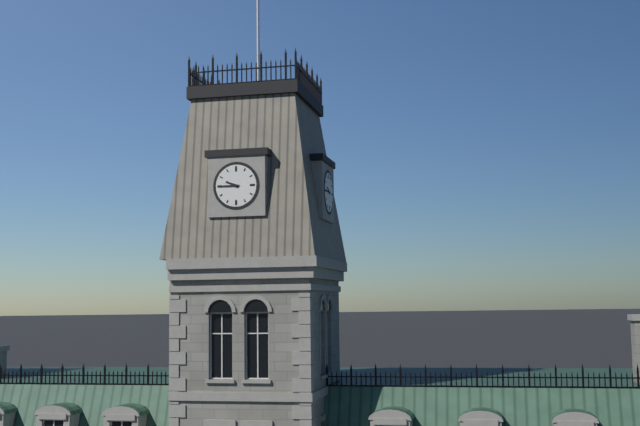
9,45
